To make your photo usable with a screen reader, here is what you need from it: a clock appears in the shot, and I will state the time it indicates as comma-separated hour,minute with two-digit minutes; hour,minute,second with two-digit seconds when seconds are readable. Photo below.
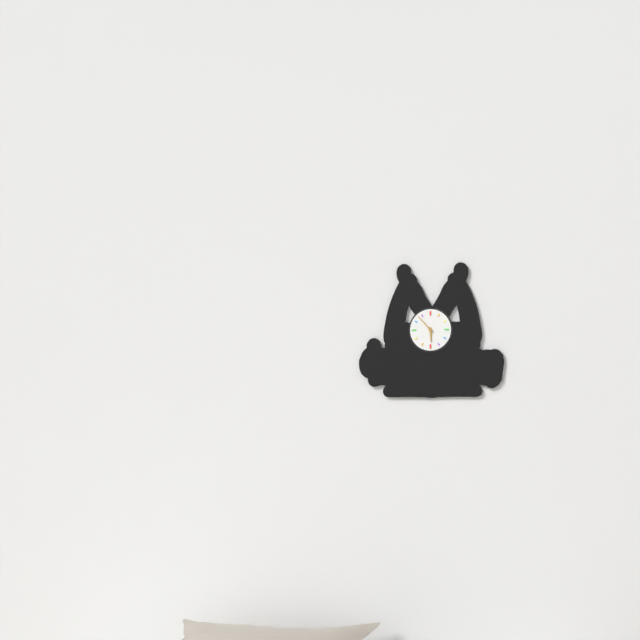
5,53
